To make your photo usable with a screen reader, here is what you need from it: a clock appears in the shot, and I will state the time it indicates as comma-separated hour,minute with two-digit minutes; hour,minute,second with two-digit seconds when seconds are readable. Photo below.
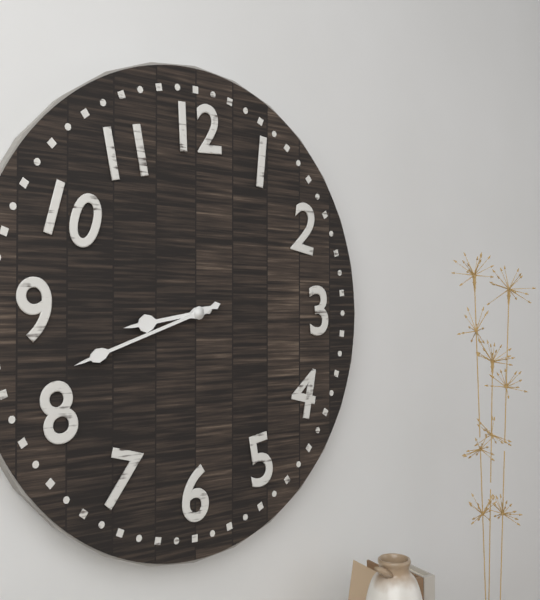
8,42
